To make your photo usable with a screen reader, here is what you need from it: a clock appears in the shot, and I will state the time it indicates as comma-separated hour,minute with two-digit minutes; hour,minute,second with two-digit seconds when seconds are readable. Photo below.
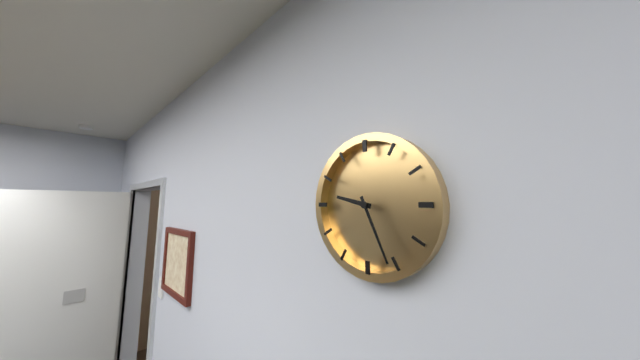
9,26
